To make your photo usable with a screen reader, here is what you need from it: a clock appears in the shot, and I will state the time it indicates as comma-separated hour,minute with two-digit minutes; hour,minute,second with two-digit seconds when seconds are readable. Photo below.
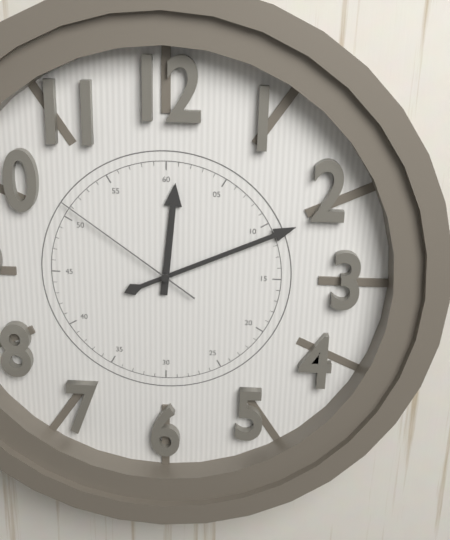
12,11,51
